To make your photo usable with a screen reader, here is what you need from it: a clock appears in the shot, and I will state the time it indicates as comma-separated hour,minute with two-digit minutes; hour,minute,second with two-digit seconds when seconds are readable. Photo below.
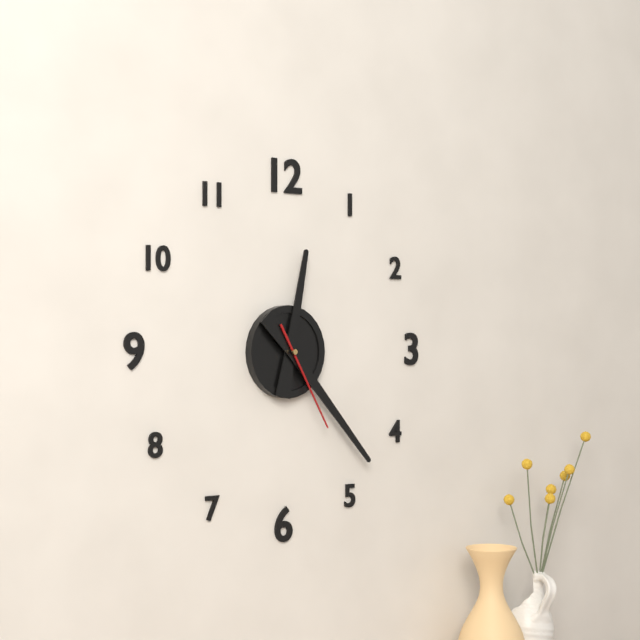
12,23,25
